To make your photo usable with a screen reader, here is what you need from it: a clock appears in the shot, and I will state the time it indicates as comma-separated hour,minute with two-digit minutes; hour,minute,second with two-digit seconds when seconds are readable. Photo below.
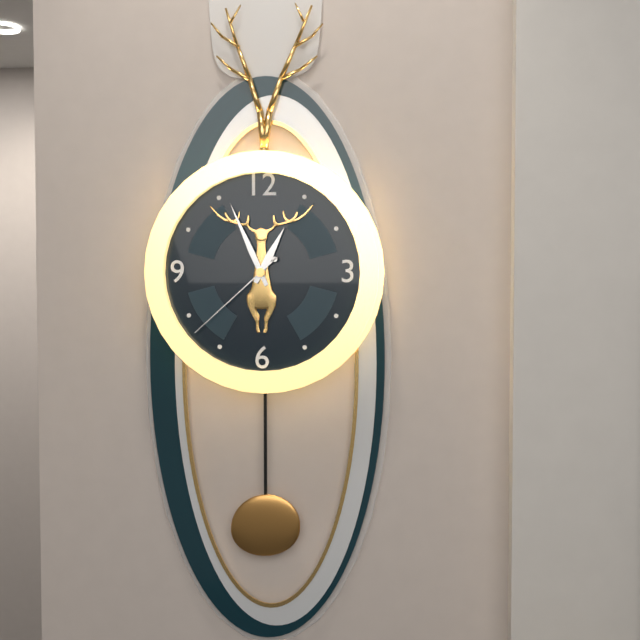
12,56,38
